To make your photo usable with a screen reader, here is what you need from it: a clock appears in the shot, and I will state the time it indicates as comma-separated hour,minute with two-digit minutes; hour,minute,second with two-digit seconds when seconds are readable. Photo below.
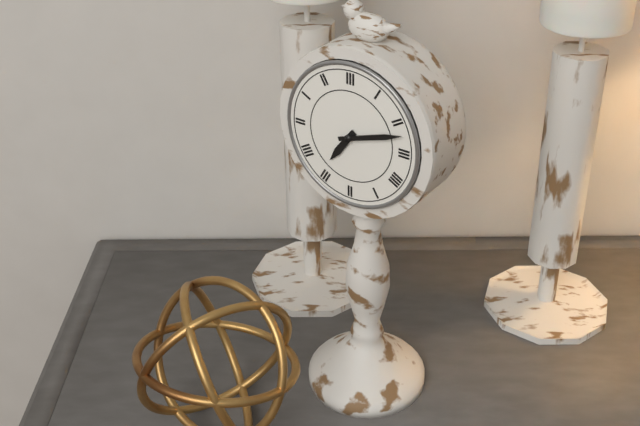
7,12
